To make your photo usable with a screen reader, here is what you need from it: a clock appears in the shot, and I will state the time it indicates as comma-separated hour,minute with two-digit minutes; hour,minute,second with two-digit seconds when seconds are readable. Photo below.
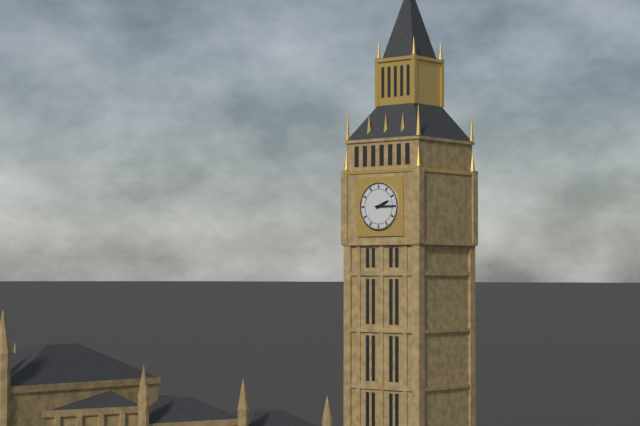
2,15
